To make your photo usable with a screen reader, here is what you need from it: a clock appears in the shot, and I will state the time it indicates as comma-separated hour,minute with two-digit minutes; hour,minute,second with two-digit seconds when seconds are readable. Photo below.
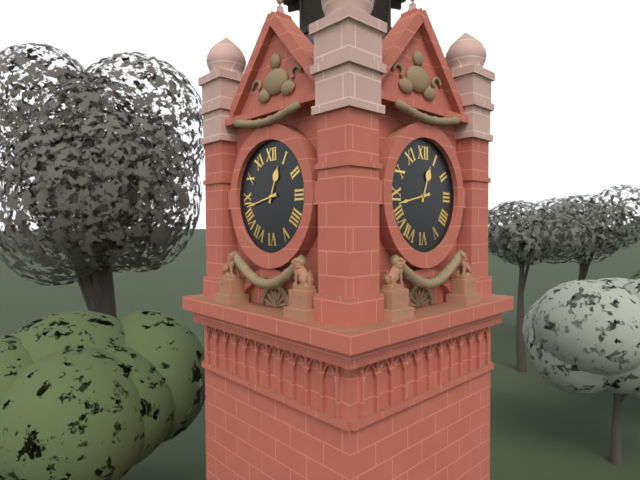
12,43
